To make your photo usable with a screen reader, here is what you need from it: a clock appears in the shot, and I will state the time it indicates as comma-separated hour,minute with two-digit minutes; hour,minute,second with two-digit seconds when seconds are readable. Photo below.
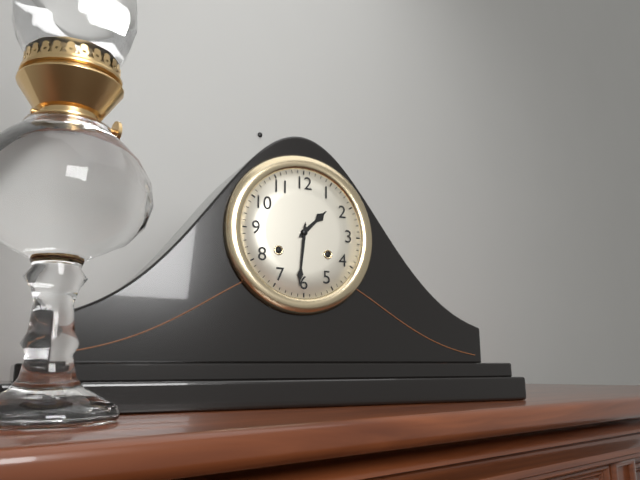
1,31
